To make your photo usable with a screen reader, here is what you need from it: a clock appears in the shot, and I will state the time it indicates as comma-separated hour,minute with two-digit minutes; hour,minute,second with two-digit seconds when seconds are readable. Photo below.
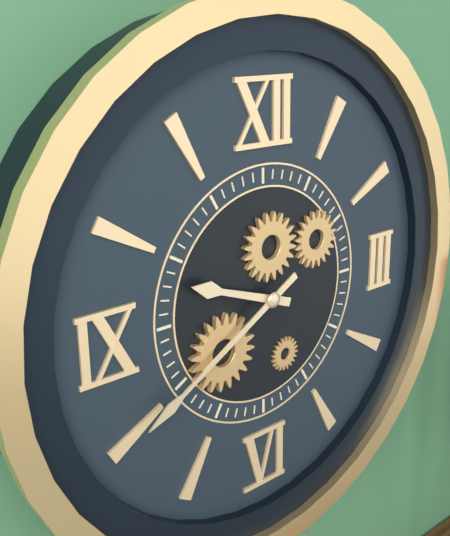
9,40
